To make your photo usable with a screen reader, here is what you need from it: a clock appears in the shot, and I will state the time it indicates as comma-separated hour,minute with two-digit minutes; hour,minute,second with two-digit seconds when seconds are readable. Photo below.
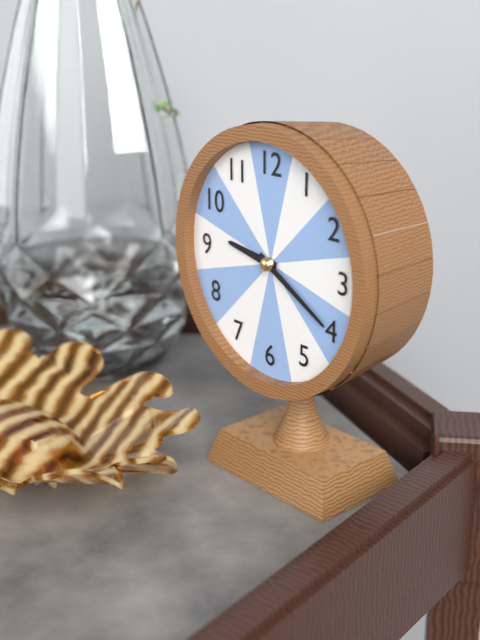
9,20
